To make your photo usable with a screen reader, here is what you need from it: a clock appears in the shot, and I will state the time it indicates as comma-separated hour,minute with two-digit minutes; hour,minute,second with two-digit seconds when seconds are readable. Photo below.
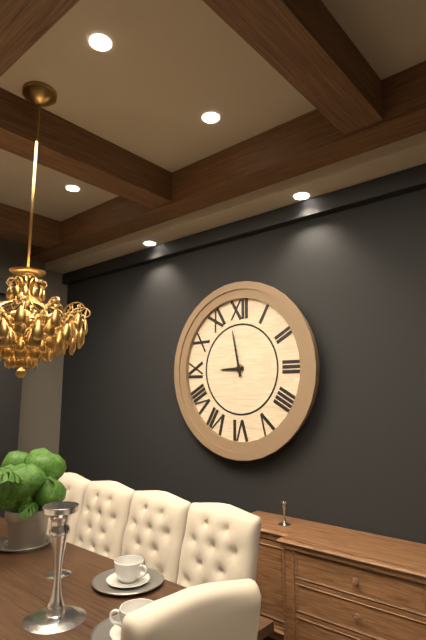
8,58
